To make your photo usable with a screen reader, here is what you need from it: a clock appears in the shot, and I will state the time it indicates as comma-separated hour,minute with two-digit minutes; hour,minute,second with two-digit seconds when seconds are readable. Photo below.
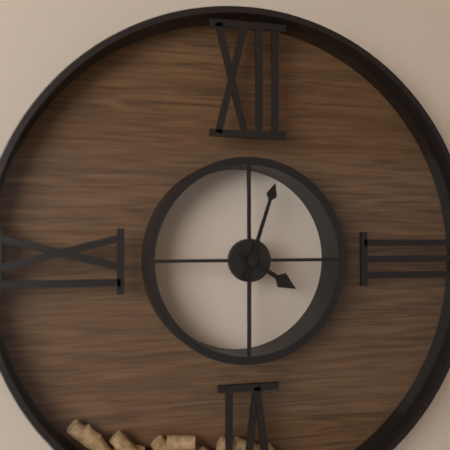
4,03
